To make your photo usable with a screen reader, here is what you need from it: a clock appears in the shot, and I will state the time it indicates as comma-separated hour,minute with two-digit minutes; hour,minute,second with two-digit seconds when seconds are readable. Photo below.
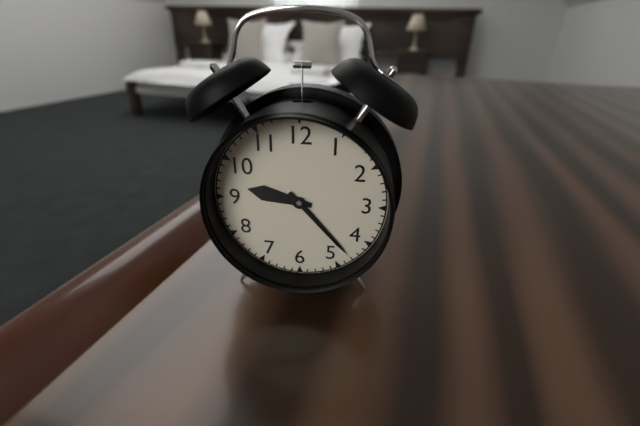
9,23
